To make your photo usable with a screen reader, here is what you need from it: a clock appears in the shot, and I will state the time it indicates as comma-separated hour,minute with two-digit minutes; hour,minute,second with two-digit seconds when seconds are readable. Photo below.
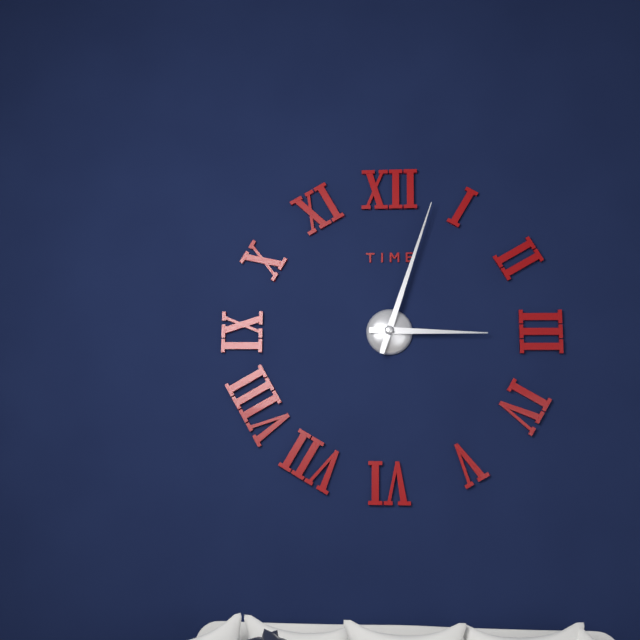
3,03
